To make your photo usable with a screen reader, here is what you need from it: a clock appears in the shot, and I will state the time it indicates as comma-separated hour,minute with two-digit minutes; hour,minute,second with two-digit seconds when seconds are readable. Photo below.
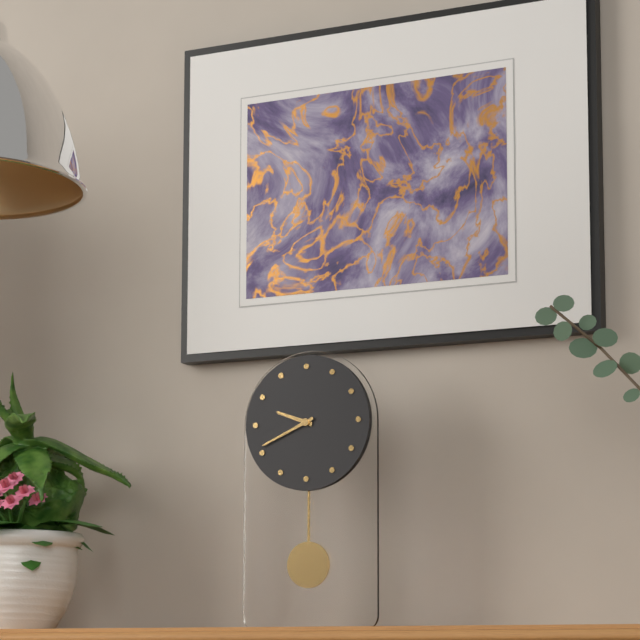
9,41
